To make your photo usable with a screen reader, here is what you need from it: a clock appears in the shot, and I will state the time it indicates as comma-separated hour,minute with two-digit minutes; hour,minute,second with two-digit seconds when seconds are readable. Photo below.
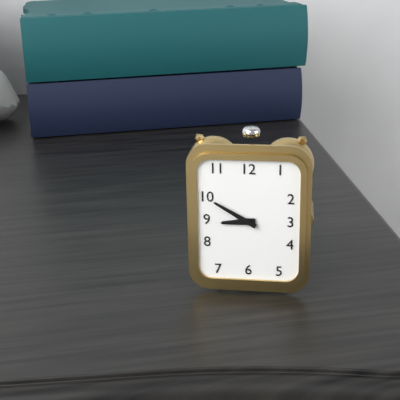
8,50
